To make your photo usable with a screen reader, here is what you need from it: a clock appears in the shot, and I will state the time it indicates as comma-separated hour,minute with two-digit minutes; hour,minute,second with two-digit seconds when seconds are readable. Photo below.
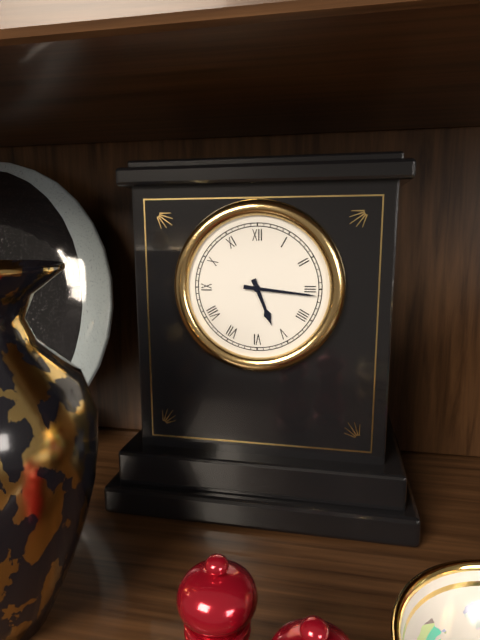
5,16
